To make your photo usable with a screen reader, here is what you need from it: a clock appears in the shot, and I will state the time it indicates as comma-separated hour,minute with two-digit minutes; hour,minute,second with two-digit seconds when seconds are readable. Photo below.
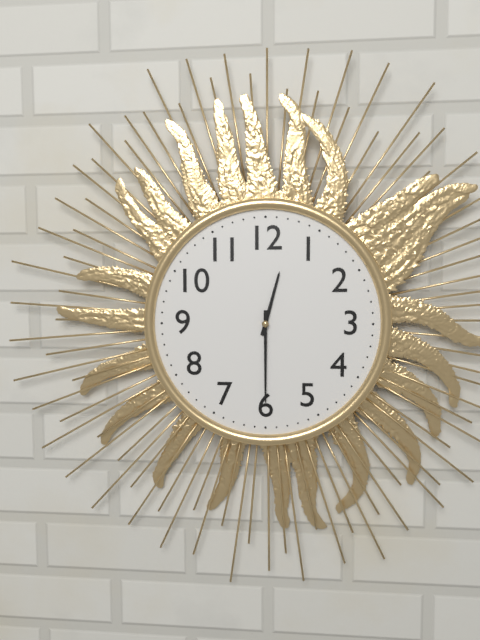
12,30
